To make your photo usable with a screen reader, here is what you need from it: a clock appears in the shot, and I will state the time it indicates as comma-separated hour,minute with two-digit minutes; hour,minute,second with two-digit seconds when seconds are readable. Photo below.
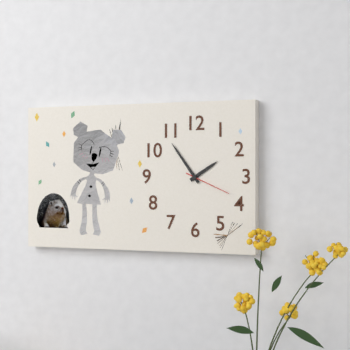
1,54
